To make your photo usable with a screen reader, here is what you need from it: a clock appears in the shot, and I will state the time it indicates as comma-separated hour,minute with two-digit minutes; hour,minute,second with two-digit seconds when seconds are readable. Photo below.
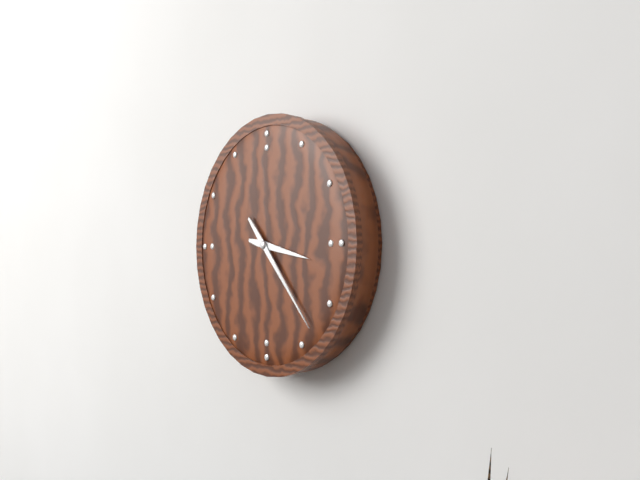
3,23
